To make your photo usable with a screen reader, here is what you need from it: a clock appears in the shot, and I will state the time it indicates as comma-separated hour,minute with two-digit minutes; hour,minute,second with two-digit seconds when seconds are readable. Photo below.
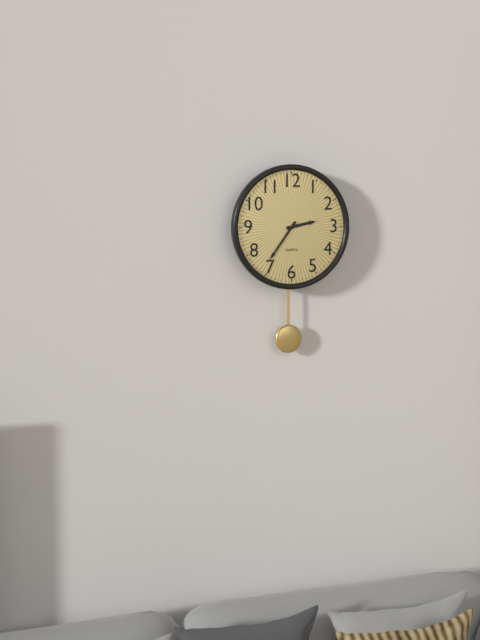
2,36
